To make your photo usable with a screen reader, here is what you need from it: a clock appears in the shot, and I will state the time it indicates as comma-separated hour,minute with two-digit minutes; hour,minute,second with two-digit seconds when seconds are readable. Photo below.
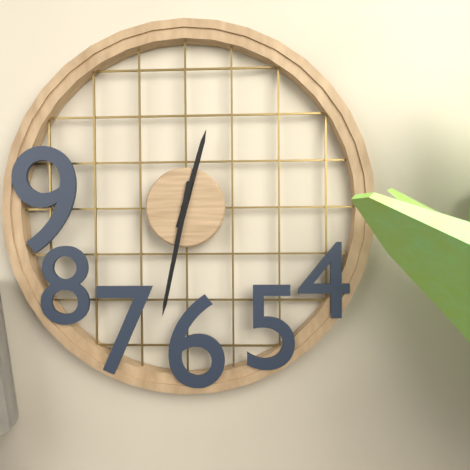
12,32
